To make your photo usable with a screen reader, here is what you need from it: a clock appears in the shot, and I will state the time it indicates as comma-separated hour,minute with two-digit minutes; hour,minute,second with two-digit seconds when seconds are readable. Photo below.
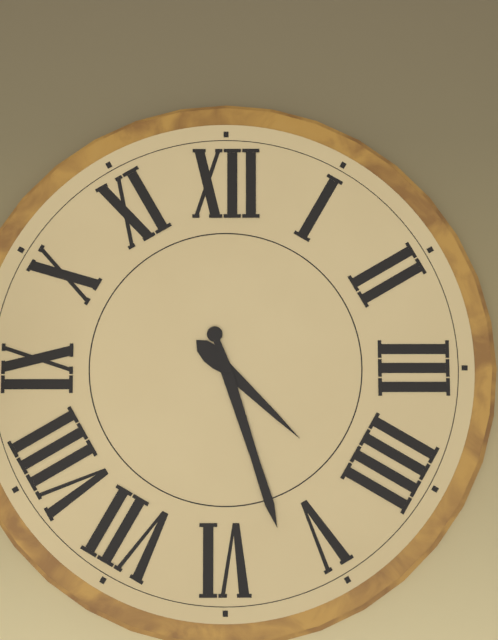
4,27
